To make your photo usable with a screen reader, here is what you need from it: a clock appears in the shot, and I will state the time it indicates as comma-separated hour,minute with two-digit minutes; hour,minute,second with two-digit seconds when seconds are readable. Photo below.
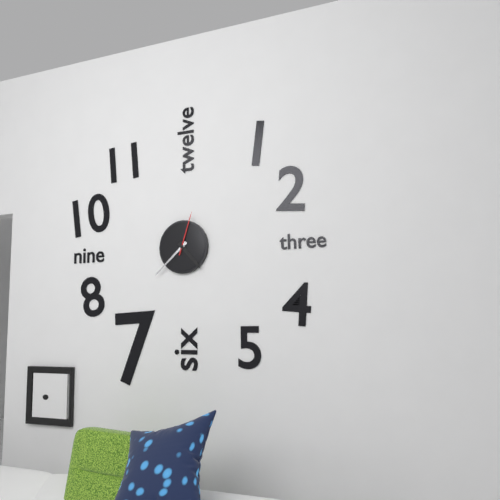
4,38
